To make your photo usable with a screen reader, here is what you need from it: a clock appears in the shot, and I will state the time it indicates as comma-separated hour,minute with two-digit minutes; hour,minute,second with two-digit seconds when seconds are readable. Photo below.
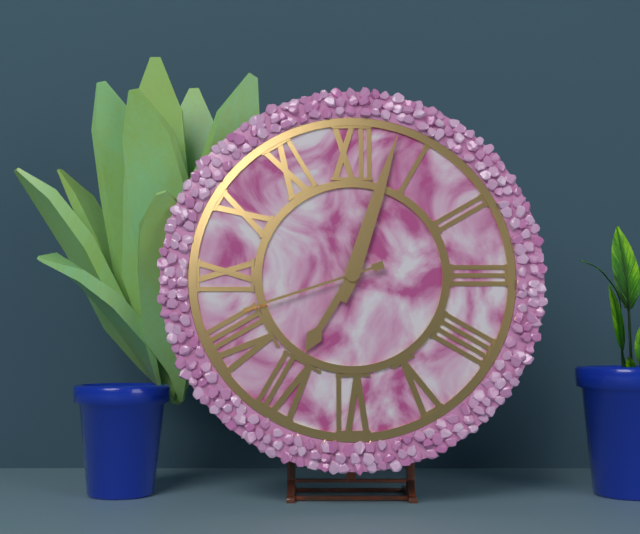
7,03,42
